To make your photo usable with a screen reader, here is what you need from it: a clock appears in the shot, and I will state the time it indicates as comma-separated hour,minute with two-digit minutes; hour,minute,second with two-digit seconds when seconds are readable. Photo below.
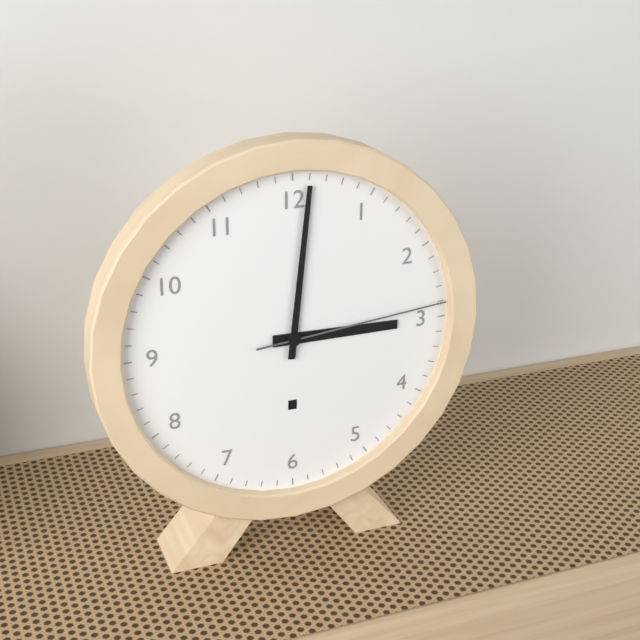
3,01,14
